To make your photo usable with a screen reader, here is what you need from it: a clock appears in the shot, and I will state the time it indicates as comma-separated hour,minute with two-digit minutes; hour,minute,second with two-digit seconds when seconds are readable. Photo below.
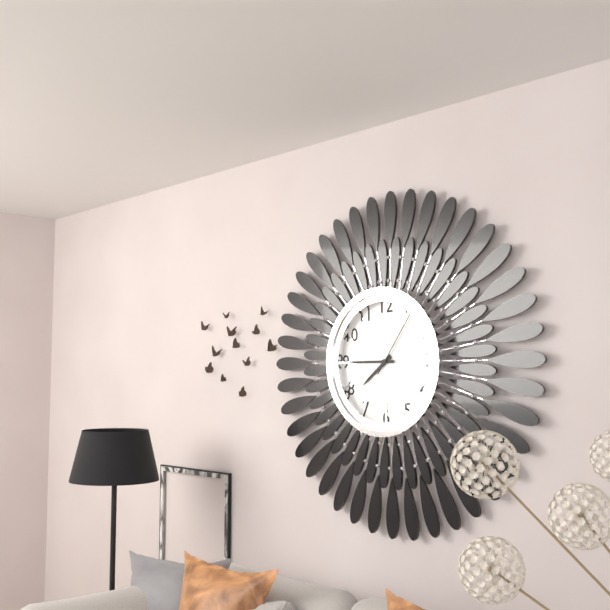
7,45,06
